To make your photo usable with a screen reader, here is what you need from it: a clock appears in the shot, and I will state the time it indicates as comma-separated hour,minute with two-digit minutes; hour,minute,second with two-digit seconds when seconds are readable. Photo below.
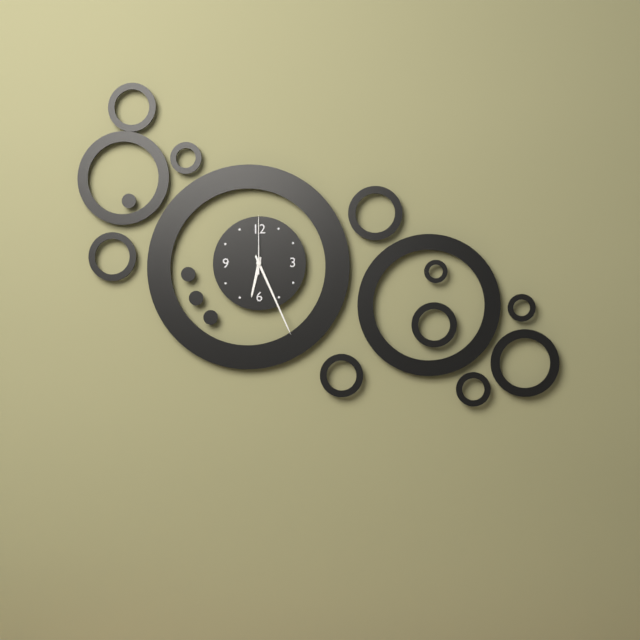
6,26,00
